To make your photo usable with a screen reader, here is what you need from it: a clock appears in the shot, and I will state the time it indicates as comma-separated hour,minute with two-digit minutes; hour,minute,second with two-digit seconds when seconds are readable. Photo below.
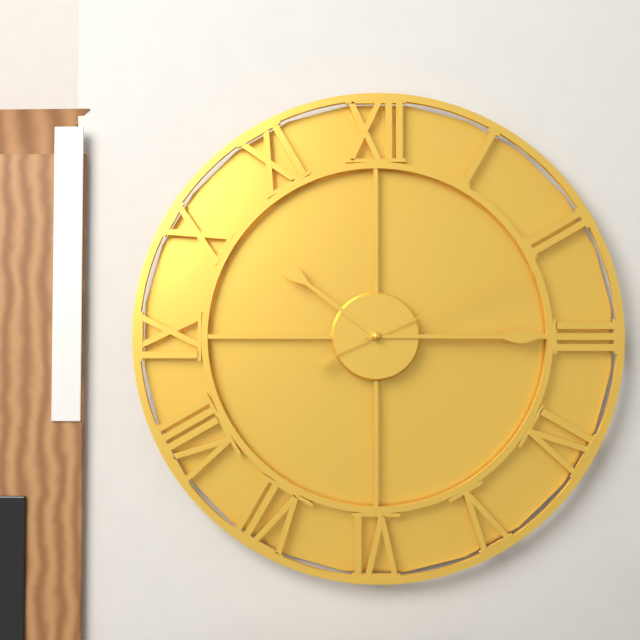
10,15,11
